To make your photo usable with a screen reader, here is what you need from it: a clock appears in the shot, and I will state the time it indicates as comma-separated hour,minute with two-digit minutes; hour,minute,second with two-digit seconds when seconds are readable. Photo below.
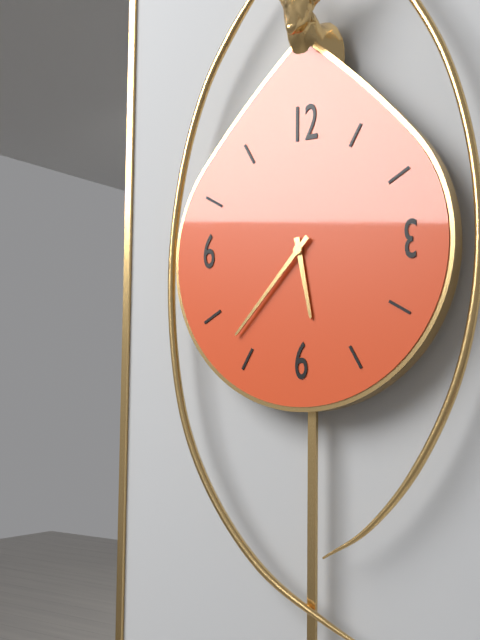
5,37
